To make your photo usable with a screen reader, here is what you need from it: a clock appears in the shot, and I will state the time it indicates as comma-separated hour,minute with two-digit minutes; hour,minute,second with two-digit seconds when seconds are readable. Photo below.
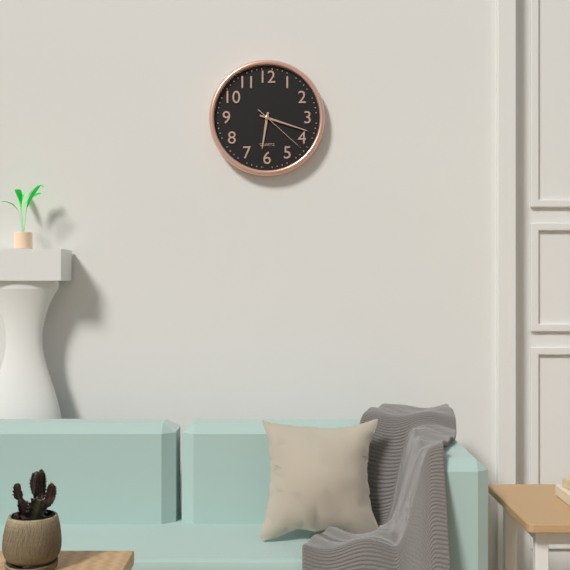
6,18,22
